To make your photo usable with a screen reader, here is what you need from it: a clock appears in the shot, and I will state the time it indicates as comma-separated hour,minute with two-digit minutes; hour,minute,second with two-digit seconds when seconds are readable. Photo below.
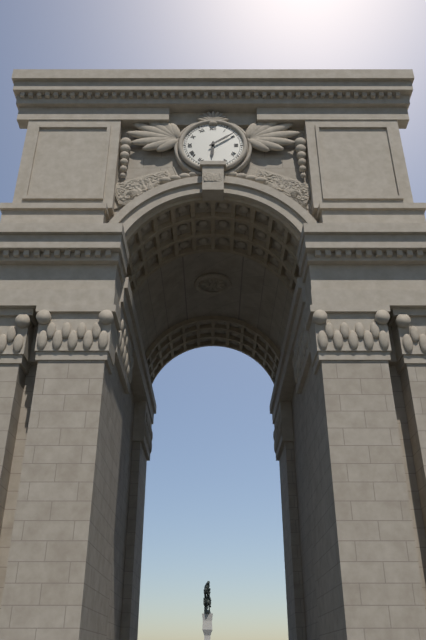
6,09
